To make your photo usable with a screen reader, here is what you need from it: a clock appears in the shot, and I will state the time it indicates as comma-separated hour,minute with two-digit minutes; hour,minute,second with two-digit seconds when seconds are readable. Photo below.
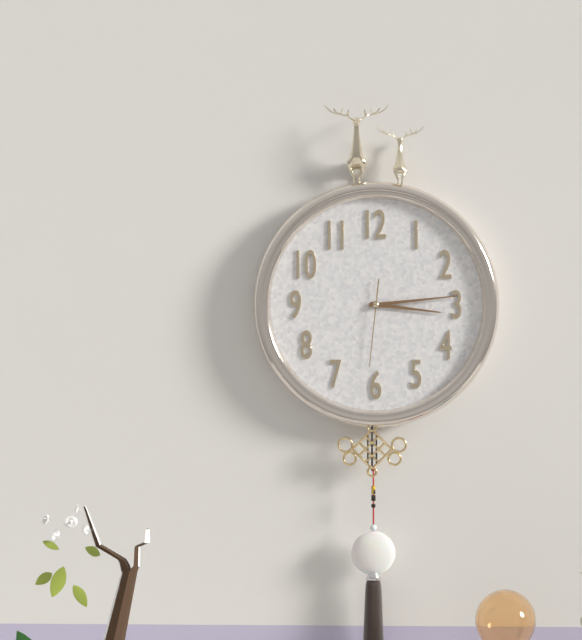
3,14,31
